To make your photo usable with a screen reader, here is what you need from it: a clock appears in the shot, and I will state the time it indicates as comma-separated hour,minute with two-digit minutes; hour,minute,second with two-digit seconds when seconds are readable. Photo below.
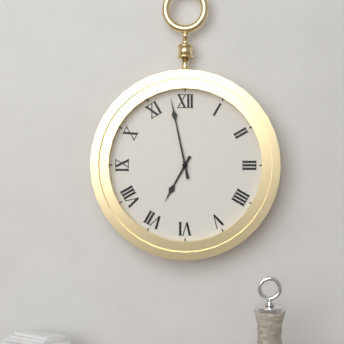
6,58
